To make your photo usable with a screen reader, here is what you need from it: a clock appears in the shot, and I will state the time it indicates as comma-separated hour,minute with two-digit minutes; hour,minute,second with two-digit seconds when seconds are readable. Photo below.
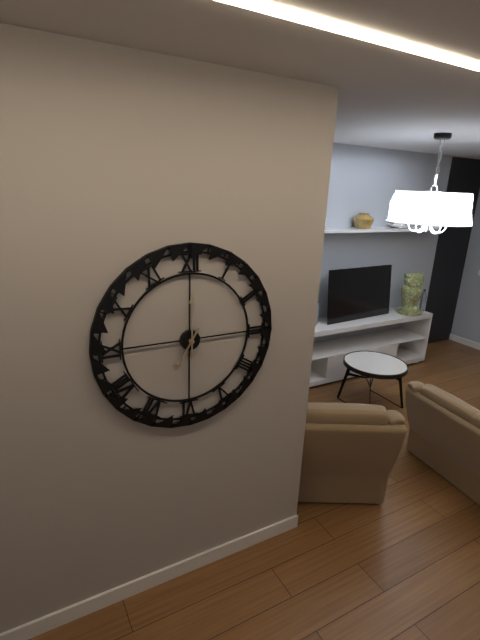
7,00
